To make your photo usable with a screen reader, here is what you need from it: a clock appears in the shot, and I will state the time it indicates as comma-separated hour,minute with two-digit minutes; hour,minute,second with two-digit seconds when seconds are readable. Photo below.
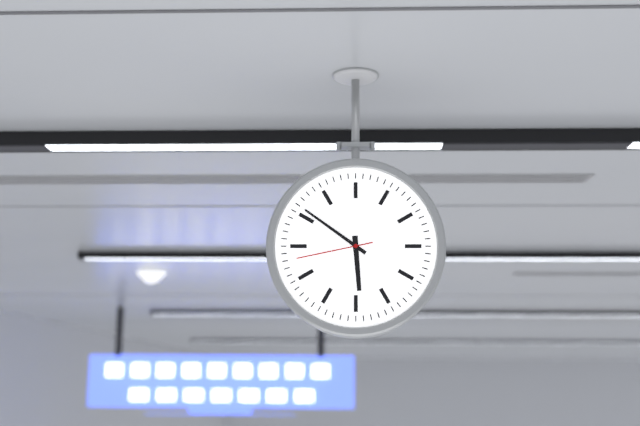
5,51,43
